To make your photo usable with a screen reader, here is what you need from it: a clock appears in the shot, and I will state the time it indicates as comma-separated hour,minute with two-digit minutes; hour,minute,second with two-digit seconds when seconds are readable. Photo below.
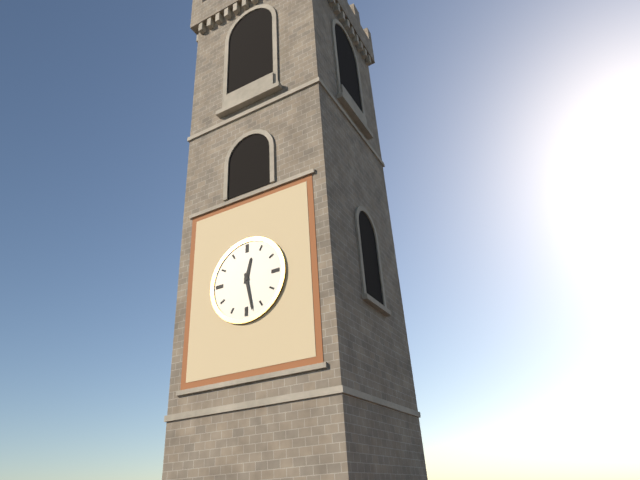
12,28
